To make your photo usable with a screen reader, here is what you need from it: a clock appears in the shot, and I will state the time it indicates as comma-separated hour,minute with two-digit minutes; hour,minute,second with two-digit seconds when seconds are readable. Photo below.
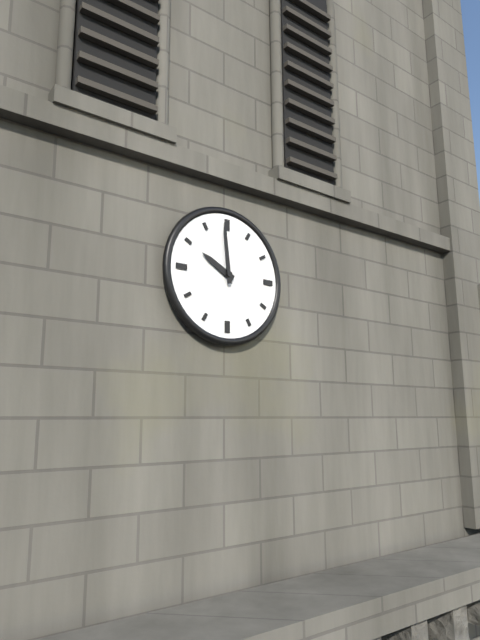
9,59
